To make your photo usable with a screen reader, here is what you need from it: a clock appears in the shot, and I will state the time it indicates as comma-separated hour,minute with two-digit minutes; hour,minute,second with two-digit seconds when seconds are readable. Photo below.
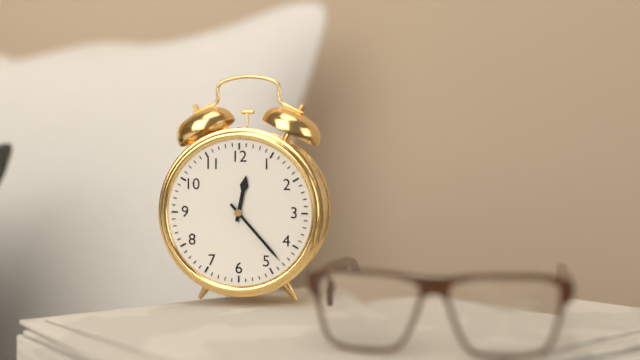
12,23
